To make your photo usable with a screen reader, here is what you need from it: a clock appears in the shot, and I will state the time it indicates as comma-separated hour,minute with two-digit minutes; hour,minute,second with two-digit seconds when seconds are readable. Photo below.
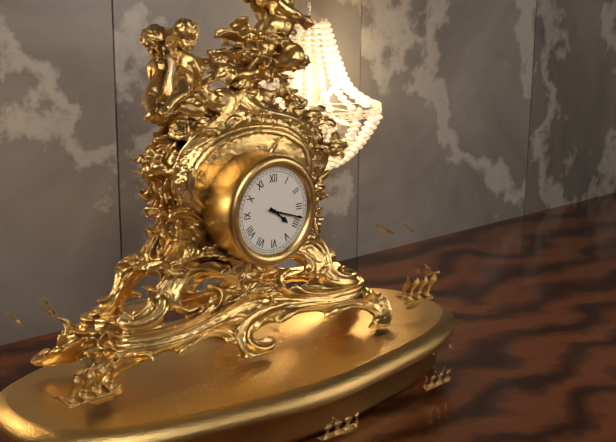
4,18
